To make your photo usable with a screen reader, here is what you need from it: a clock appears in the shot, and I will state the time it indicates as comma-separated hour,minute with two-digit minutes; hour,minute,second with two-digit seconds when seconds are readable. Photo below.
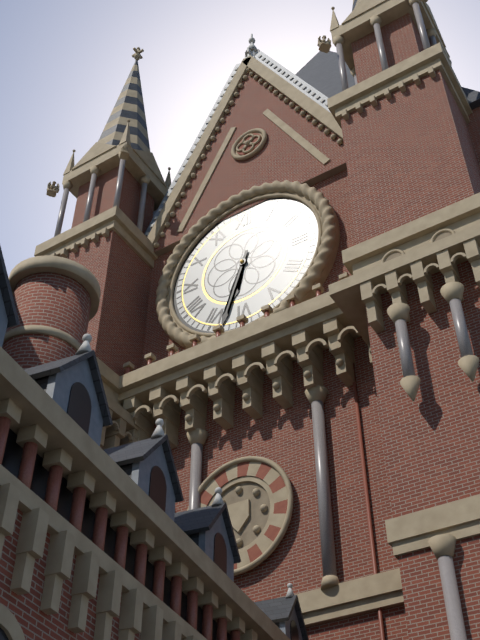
6,33
